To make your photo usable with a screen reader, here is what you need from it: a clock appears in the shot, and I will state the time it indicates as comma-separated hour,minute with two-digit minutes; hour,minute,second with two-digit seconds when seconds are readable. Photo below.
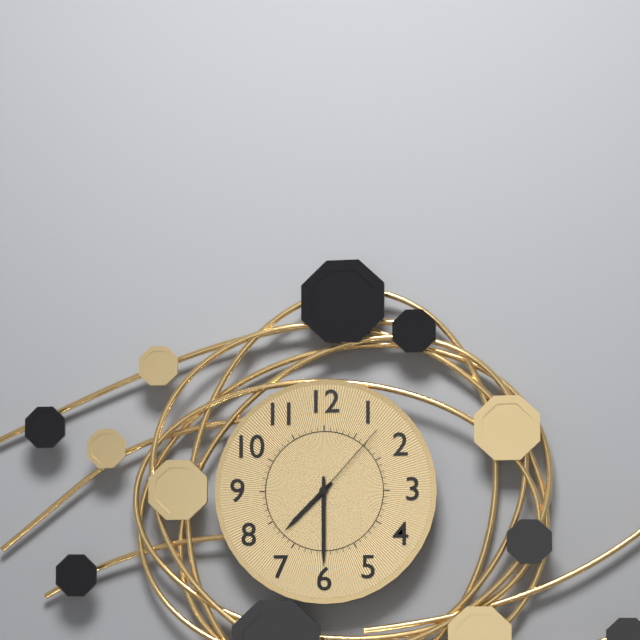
7,30,07
